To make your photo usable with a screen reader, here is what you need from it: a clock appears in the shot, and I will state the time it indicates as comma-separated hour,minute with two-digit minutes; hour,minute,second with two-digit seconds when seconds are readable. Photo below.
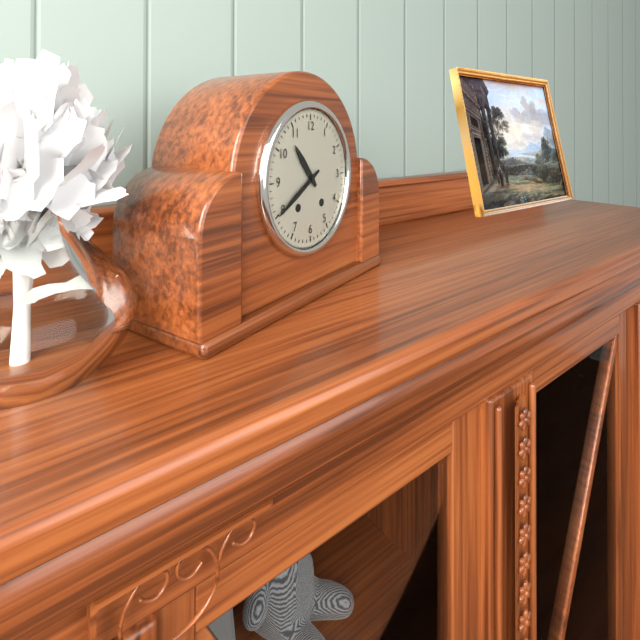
10,40
